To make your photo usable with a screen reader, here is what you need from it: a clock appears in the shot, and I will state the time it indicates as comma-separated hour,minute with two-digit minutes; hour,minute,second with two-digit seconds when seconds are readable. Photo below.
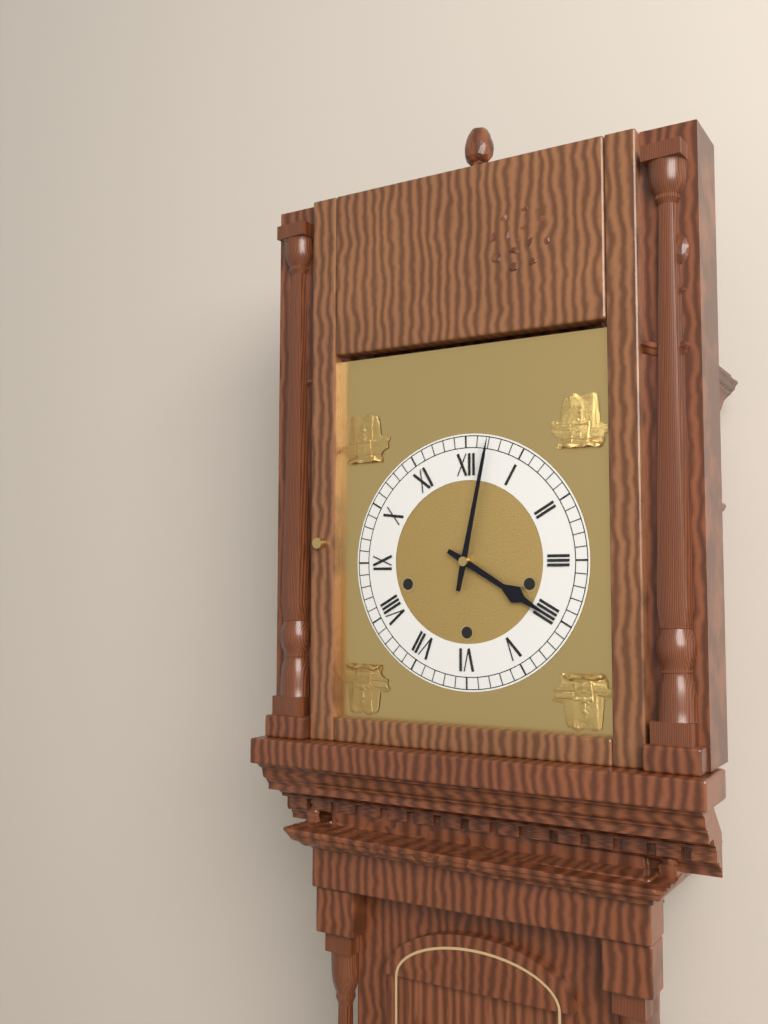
4,02
